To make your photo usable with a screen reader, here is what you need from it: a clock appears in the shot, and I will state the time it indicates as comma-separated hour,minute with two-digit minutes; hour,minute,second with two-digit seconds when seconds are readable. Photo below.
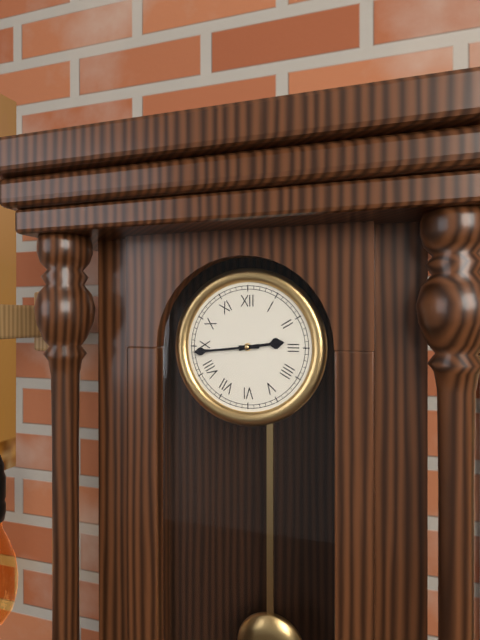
2,44
